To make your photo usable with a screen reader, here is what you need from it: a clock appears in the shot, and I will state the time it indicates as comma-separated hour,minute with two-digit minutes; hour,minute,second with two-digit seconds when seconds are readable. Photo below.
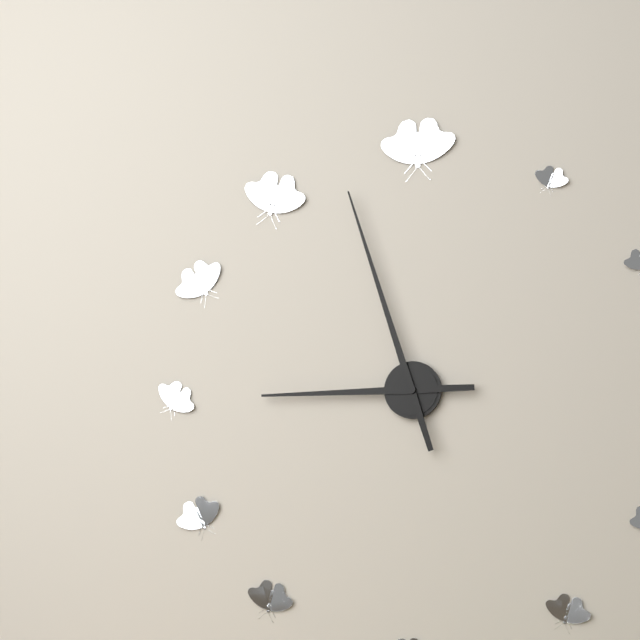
8,57
